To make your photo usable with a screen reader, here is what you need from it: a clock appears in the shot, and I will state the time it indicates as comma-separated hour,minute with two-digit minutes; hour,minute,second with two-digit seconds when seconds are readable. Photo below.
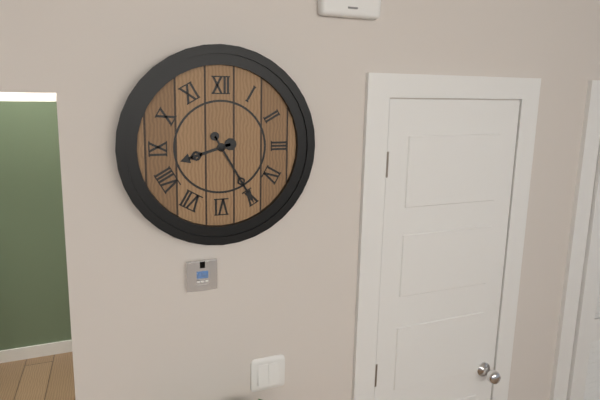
8,25
